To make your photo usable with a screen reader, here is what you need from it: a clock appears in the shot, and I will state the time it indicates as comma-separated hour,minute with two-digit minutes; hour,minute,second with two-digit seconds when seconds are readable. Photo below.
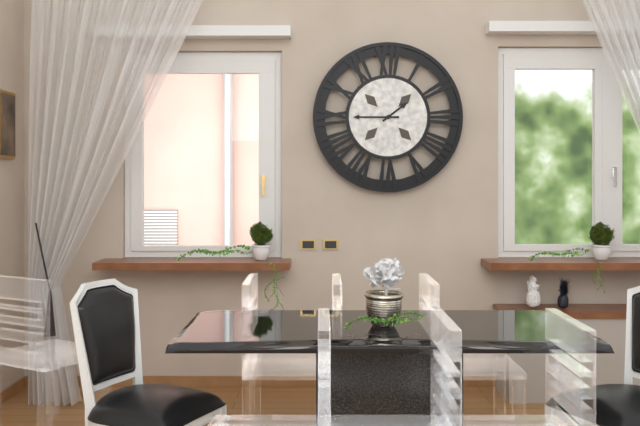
1,45
